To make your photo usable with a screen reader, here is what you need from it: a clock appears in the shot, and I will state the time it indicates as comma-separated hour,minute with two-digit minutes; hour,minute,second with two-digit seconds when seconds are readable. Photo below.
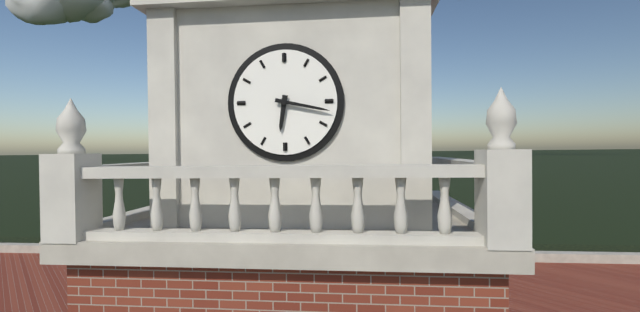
6,17
